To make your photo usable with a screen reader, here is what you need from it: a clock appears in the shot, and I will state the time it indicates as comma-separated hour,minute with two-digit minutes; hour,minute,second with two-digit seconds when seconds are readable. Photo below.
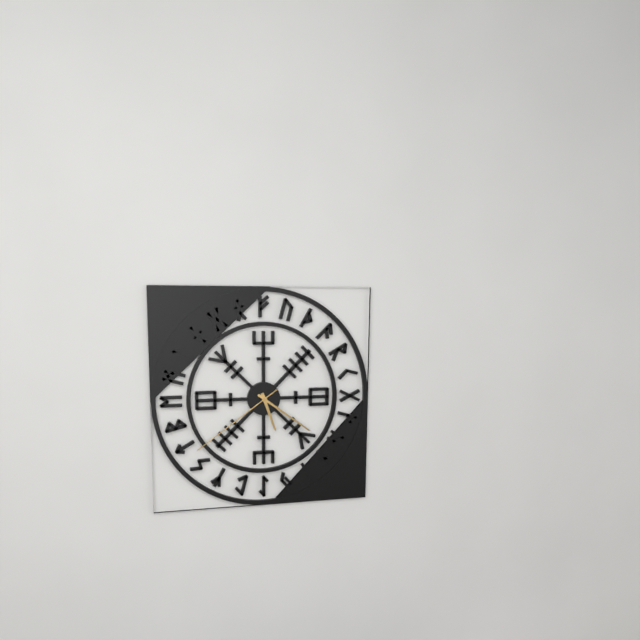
5,21,39
